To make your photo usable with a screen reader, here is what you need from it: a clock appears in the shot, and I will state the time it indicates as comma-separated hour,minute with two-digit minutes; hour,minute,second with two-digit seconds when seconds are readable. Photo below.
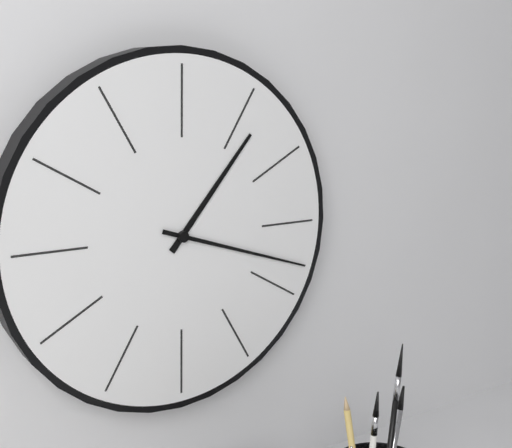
1,18
